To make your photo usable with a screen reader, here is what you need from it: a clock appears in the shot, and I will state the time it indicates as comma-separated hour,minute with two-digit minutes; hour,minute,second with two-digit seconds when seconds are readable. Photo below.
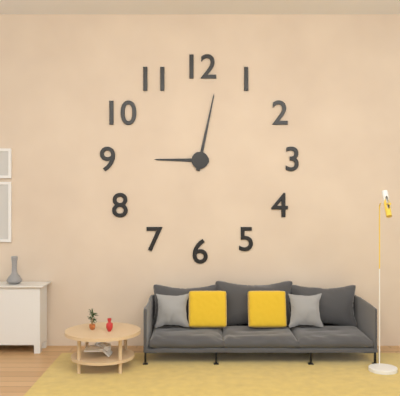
9,02
